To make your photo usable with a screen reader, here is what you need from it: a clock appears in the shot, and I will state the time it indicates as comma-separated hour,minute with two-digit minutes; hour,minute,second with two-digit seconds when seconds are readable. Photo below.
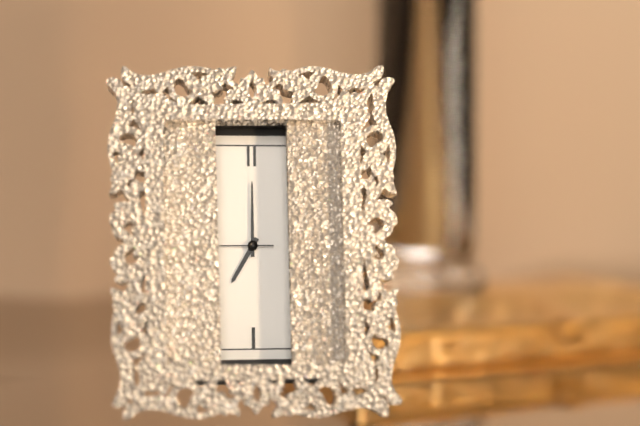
7,00,45
